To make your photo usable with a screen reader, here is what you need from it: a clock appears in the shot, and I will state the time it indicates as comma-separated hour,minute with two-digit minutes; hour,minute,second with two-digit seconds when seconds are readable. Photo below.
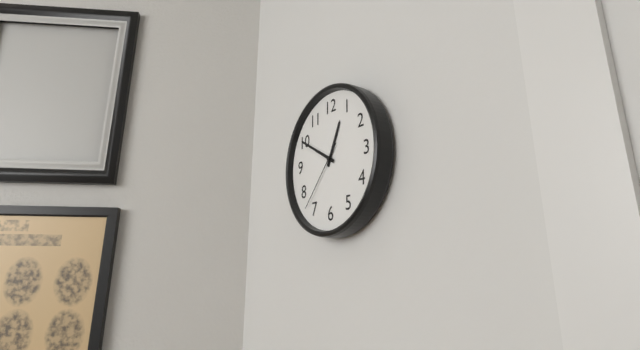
12,50,37
